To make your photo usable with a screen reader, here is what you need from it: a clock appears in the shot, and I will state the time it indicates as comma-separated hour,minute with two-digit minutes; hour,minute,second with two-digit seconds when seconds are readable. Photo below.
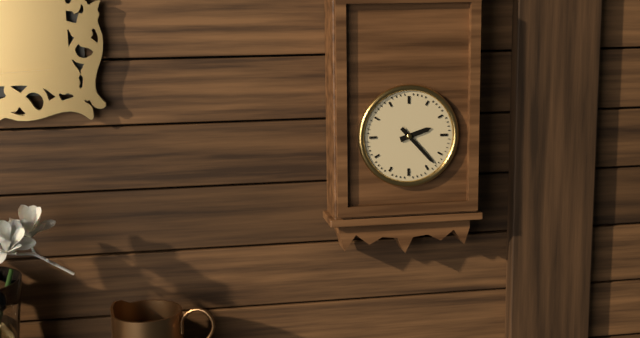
2,23
